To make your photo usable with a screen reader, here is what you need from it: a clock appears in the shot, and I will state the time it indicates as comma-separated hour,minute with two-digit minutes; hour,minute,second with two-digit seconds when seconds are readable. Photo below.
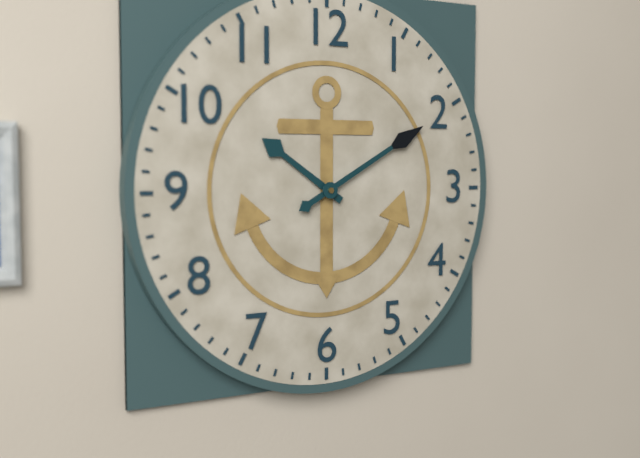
10,10
